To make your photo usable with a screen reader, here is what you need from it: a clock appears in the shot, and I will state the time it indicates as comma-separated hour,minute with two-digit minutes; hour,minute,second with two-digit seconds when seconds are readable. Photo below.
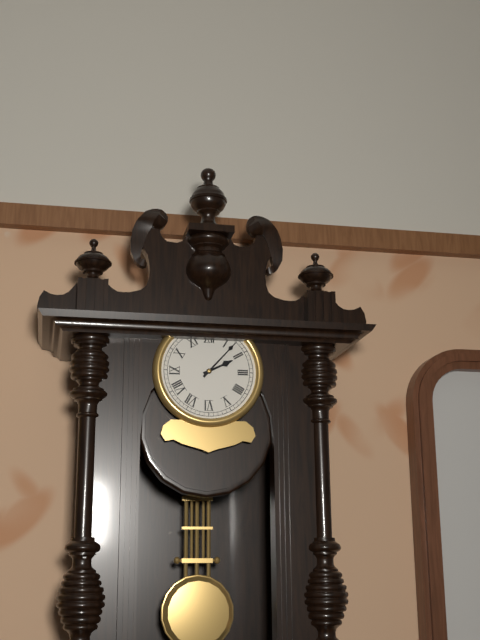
2,07
